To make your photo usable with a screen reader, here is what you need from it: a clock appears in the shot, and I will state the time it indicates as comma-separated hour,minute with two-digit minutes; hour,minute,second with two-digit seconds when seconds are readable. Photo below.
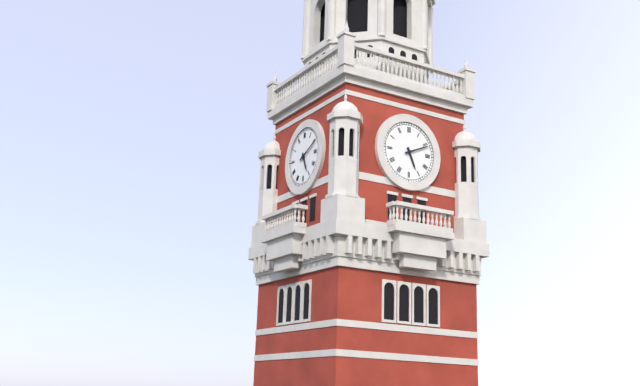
5,11
